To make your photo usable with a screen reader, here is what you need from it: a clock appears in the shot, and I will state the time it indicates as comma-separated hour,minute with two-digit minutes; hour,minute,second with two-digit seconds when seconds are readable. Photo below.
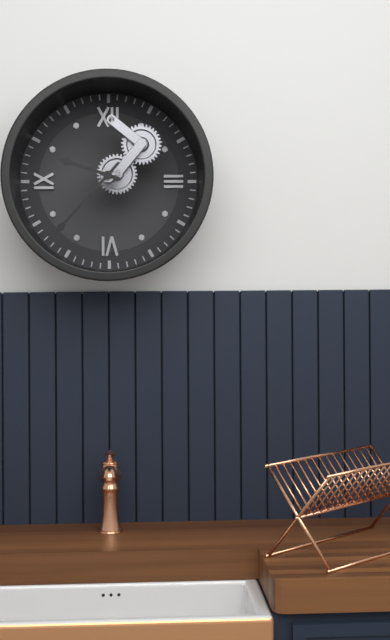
9,37
